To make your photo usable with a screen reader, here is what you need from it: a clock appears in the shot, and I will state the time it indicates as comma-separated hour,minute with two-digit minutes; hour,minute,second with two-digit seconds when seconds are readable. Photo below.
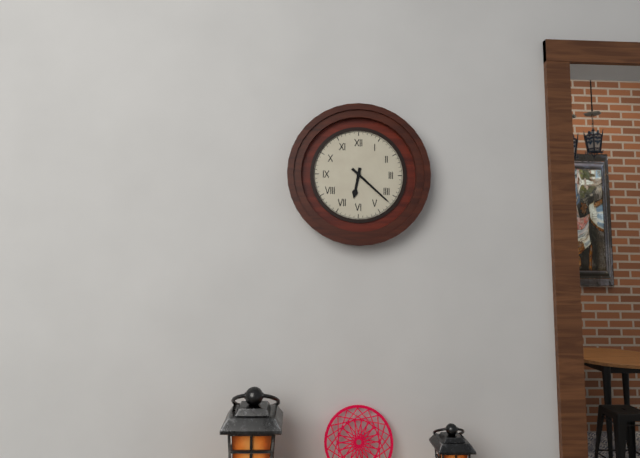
6,22
